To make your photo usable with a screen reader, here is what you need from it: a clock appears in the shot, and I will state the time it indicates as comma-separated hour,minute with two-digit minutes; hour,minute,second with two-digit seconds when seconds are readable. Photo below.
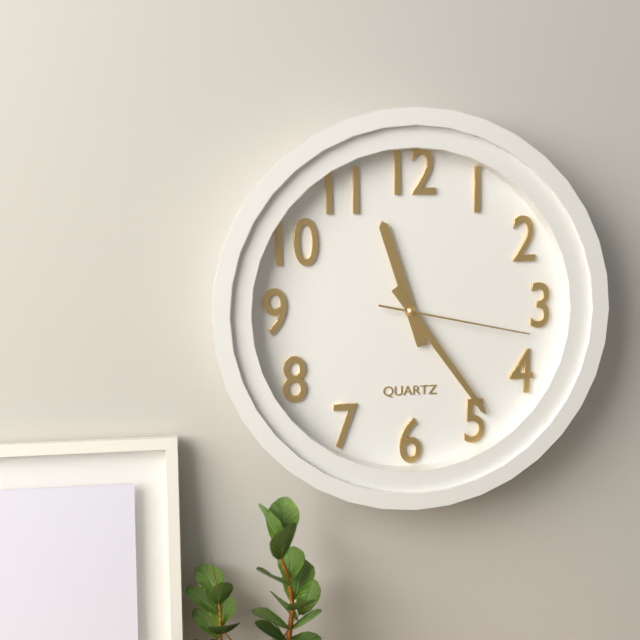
11,24,17
